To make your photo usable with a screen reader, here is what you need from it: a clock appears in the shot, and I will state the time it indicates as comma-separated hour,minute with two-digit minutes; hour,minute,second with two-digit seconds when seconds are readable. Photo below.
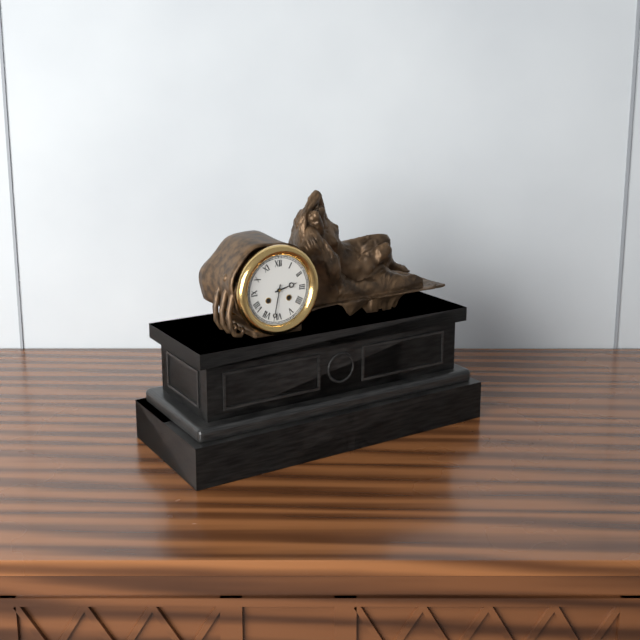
2,32
